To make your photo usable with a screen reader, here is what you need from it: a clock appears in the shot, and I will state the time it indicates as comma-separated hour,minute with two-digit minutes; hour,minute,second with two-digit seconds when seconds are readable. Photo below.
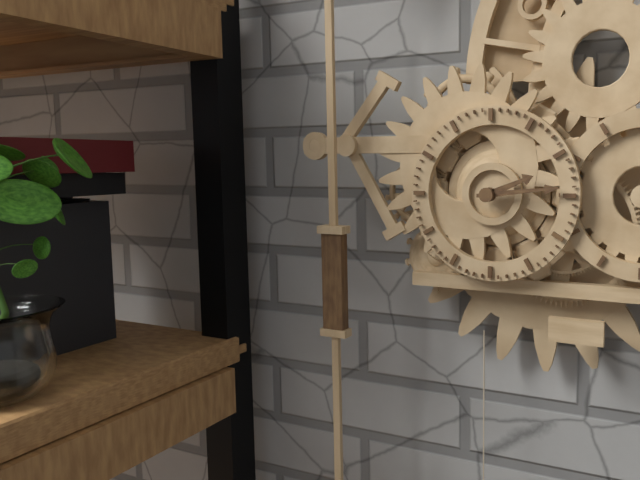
2,14
